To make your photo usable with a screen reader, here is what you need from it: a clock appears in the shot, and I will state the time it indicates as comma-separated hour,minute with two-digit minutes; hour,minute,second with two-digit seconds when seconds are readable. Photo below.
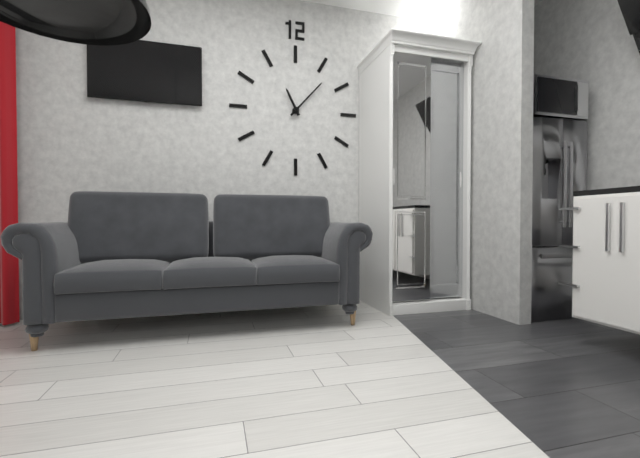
11,07
